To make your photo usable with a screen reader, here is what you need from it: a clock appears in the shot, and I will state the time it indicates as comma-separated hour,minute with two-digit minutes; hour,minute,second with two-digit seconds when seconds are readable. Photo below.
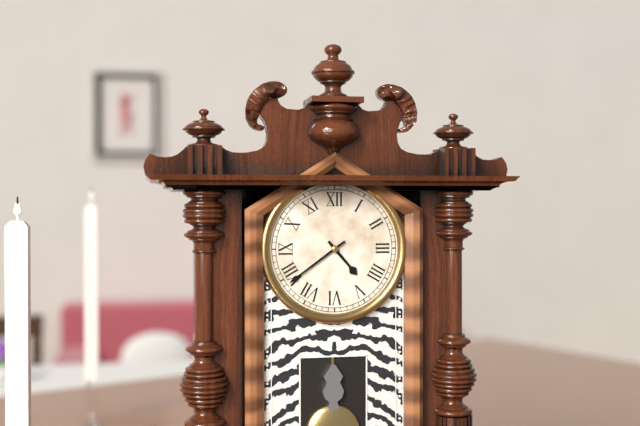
4,39
